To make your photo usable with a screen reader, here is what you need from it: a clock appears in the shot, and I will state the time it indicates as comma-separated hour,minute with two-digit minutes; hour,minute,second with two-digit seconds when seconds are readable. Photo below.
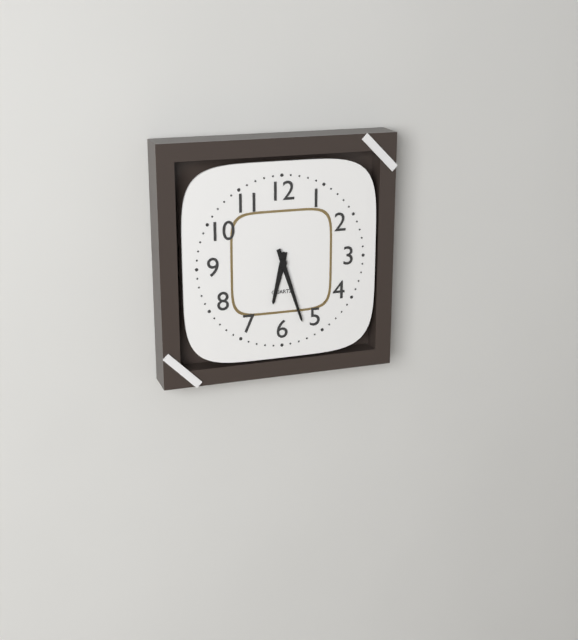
6,27
